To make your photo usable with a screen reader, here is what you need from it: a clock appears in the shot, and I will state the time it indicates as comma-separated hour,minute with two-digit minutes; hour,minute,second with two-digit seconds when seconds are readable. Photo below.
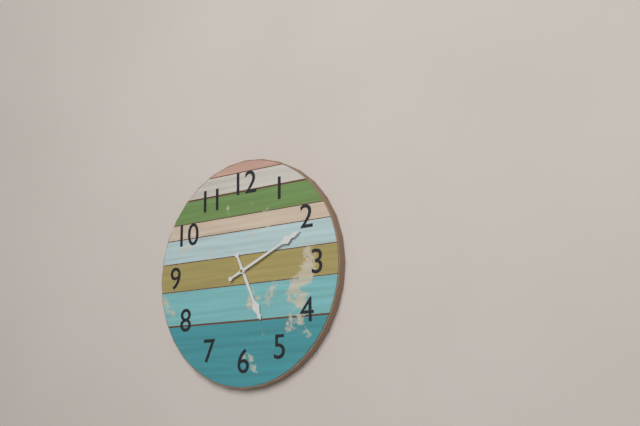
5,11
